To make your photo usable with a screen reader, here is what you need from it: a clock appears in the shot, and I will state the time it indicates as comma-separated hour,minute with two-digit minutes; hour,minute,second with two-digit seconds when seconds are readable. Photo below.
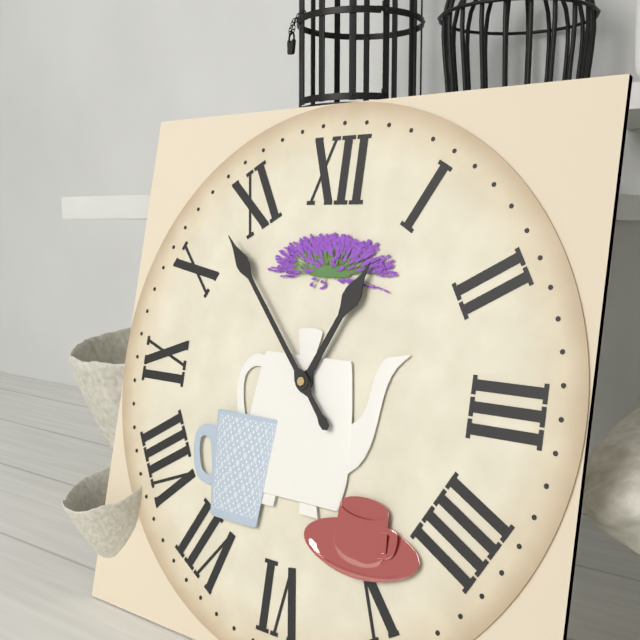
12,53
